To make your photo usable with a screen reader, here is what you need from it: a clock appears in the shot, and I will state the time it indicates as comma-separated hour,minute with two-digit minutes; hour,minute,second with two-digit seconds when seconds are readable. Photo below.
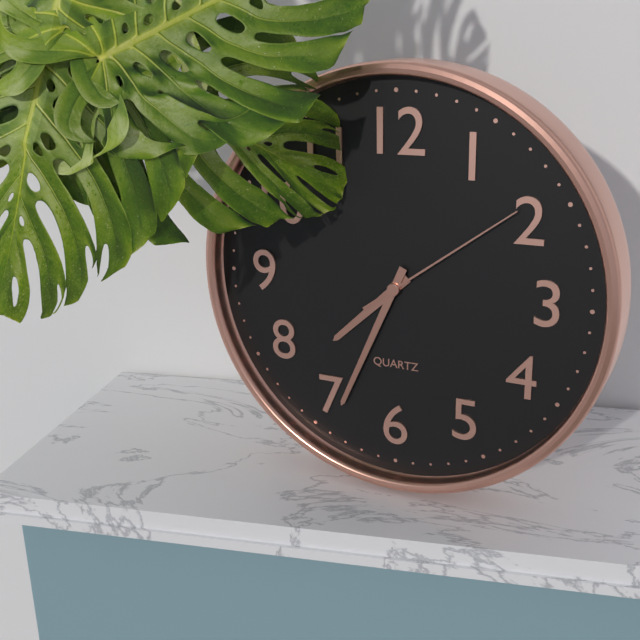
7,34,09
